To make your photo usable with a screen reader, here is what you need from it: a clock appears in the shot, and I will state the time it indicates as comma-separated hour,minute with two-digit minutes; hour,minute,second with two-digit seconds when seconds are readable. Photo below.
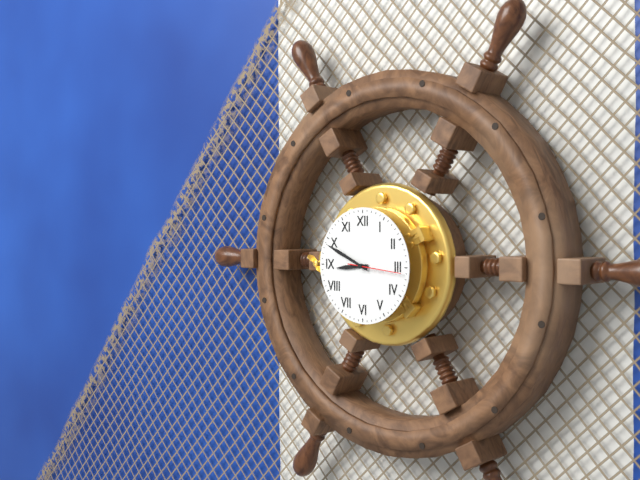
8,49,16
